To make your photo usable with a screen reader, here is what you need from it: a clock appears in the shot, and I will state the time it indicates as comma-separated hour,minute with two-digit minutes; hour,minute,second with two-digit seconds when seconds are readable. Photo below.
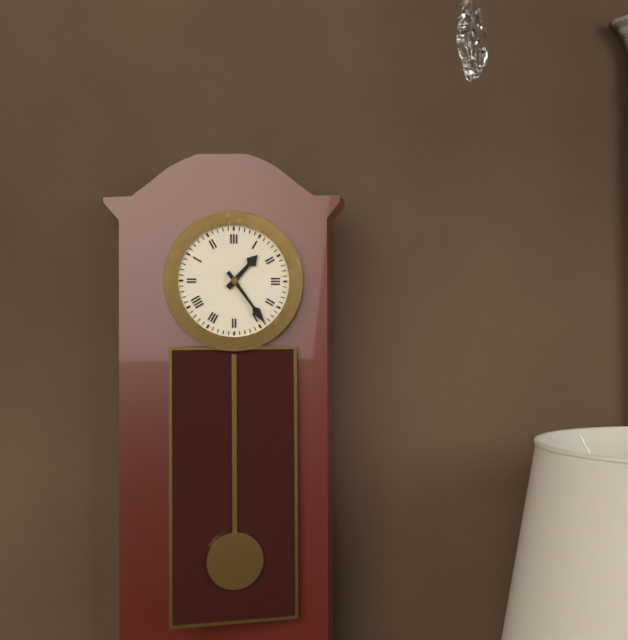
1,24
